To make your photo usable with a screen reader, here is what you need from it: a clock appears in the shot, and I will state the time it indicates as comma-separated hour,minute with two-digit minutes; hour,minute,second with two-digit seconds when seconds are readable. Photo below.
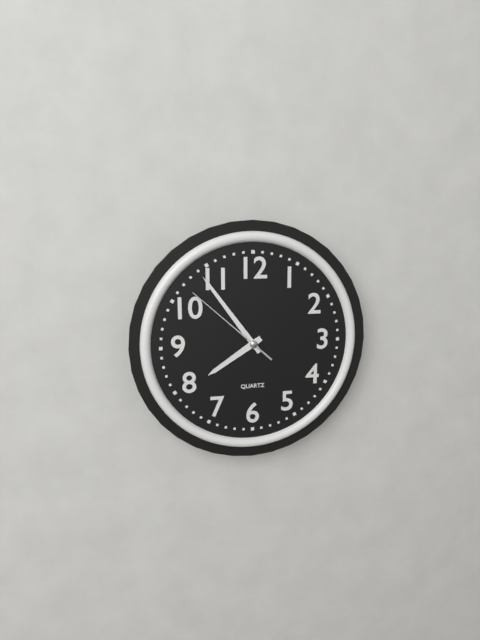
7,54,52
